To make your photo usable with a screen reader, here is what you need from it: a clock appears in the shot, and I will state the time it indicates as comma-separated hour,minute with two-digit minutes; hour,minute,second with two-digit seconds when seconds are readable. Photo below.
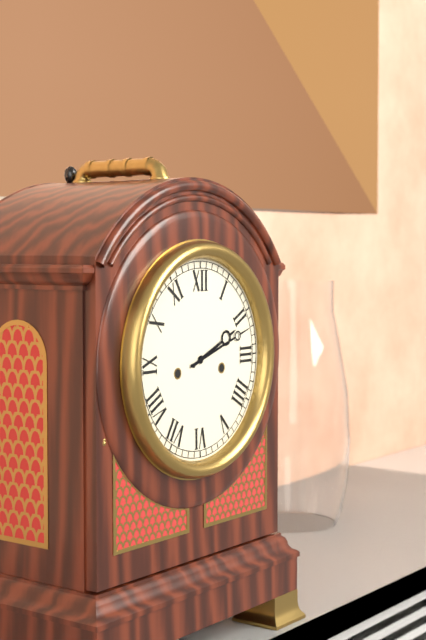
2,12
